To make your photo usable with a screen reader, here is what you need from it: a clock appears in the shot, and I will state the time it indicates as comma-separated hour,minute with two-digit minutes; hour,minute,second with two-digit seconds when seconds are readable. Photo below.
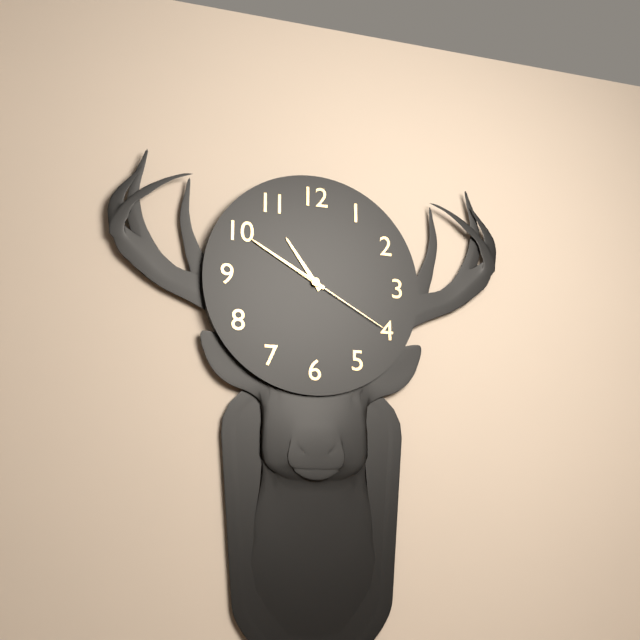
10,50,20
